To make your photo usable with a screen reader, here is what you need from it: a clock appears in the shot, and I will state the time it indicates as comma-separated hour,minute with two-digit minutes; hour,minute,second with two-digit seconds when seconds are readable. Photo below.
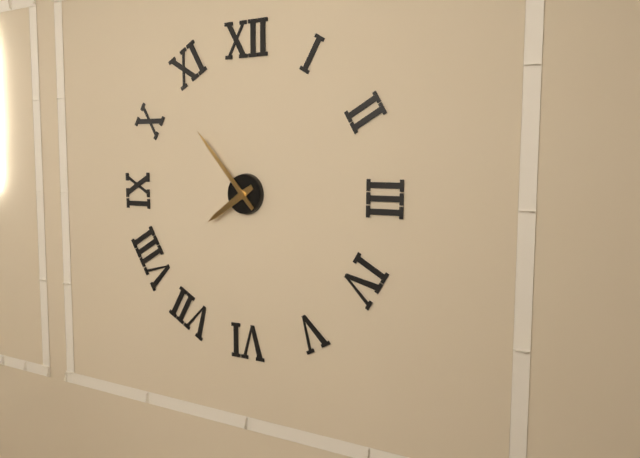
7,53
